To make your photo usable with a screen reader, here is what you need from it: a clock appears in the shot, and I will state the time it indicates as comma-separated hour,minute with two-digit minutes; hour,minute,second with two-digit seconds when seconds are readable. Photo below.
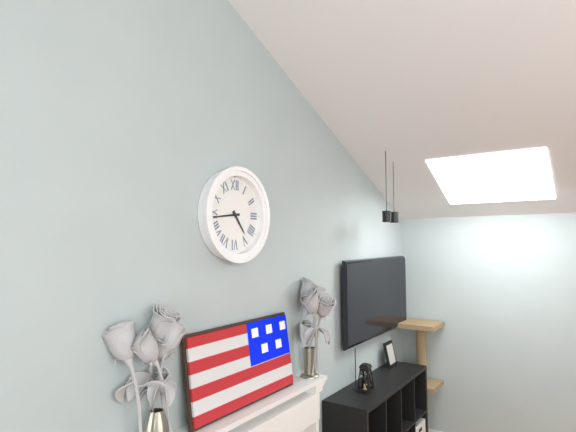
4,44
